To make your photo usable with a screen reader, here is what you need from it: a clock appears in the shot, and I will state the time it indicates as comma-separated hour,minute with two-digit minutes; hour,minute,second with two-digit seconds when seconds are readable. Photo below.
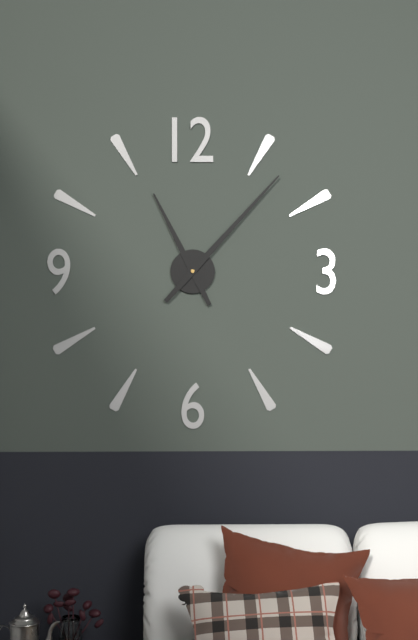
11,07
